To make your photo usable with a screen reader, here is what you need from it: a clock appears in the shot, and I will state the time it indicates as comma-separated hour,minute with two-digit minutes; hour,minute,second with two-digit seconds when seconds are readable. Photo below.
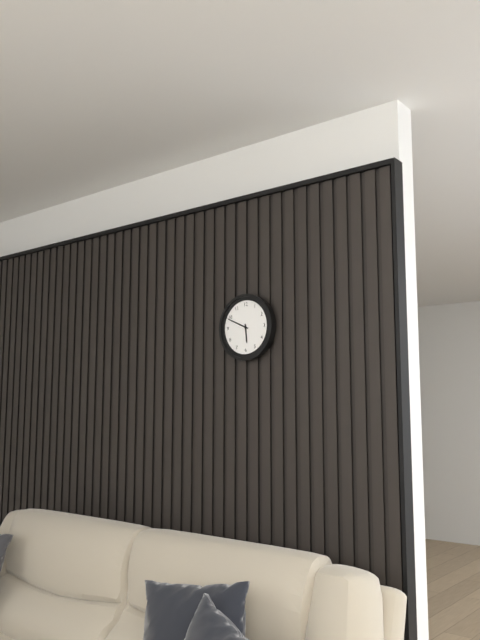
5,49
